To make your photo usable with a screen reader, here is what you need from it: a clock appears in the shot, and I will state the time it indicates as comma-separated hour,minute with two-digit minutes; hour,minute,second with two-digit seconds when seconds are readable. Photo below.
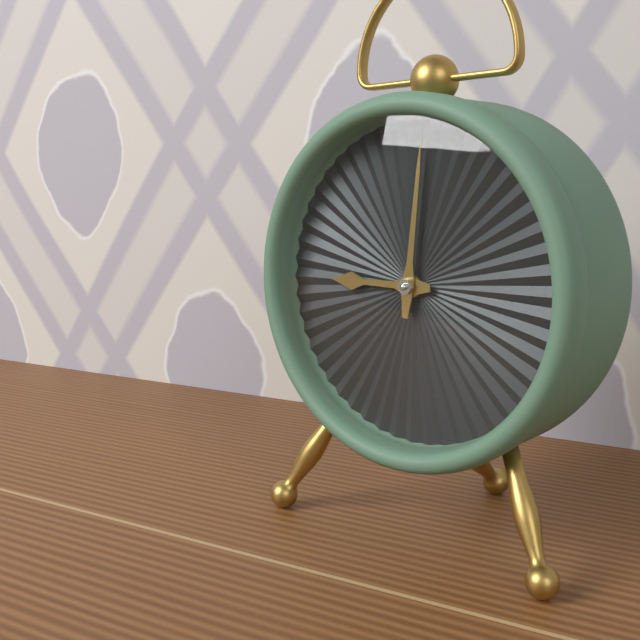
9,01
